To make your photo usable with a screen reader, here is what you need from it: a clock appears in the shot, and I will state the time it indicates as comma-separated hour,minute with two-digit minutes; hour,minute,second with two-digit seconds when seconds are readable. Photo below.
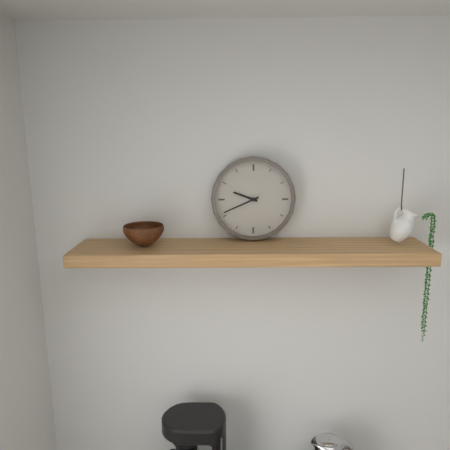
9,41
